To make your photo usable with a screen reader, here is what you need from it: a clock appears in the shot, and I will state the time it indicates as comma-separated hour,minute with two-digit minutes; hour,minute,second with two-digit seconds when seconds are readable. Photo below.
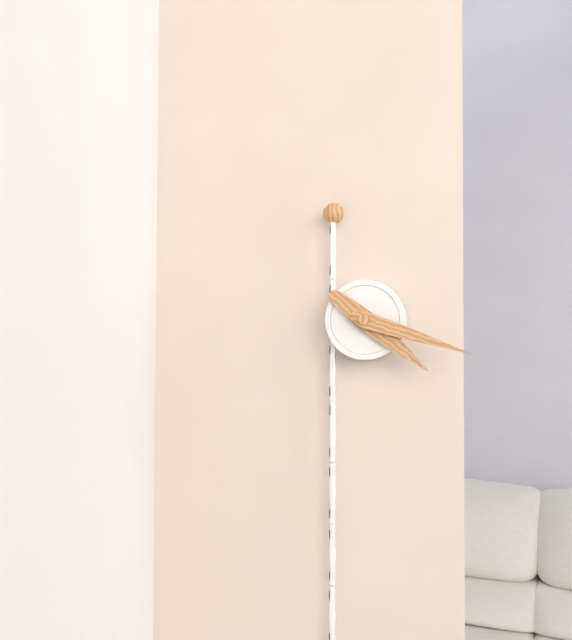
4,18
